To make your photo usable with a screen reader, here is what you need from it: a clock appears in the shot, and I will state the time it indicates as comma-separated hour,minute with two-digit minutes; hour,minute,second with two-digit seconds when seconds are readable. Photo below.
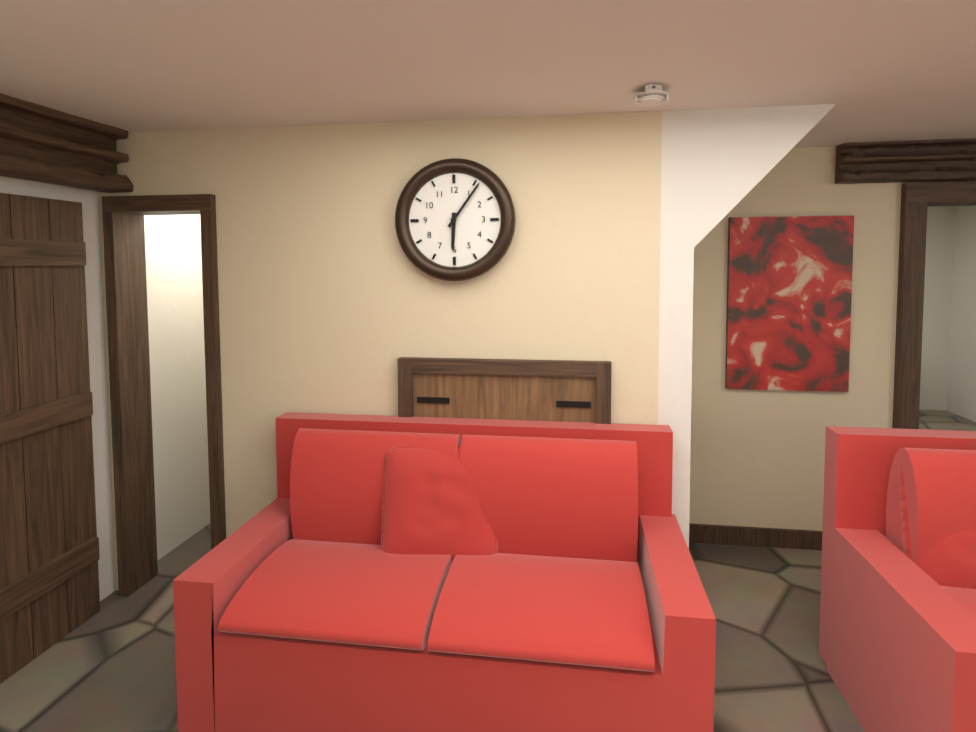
6,06
